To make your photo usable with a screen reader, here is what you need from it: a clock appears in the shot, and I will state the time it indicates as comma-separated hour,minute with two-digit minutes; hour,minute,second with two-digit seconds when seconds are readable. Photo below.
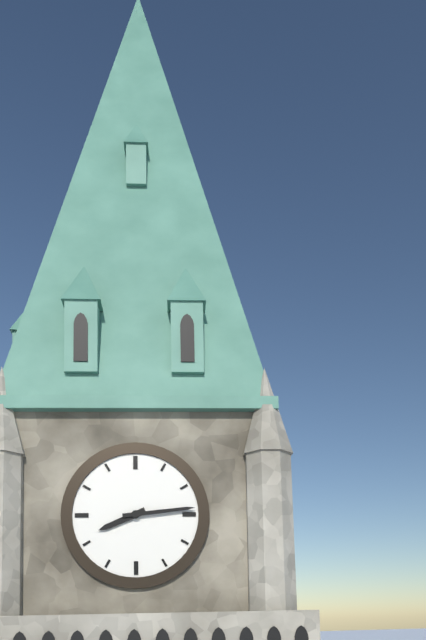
8,14
